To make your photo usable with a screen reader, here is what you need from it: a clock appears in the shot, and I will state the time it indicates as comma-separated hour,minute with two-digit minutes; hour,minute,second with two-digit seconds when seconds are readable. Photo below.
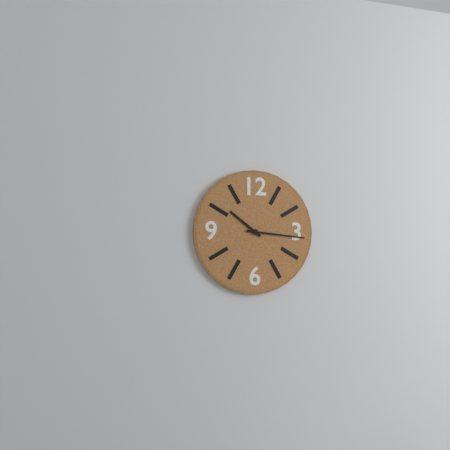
10,16
